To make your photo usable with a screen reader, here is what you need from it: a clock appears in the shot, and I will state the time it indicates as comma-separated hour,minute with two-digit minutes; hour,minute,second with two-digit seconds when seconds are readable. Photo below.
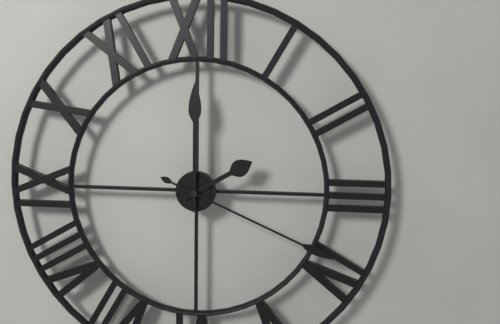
2,00,19
